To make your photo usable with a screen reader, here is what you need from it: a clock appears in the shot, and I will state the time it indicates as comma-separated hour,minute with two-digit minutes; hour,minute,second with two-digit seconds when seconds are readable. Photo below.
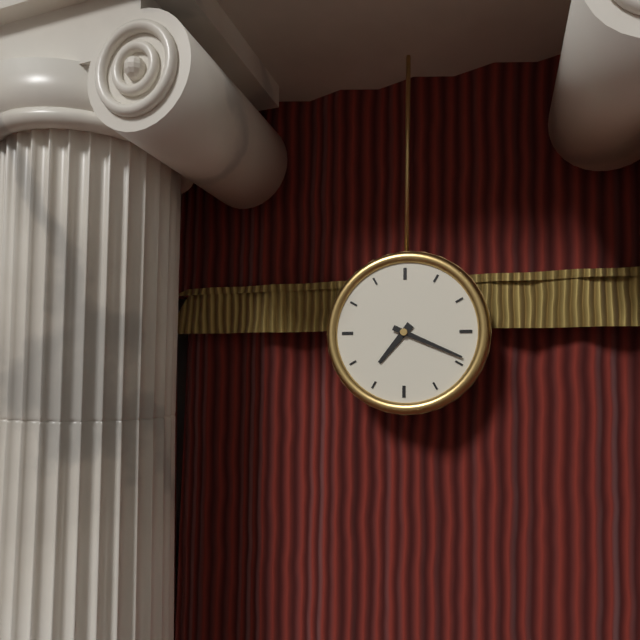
7,19
